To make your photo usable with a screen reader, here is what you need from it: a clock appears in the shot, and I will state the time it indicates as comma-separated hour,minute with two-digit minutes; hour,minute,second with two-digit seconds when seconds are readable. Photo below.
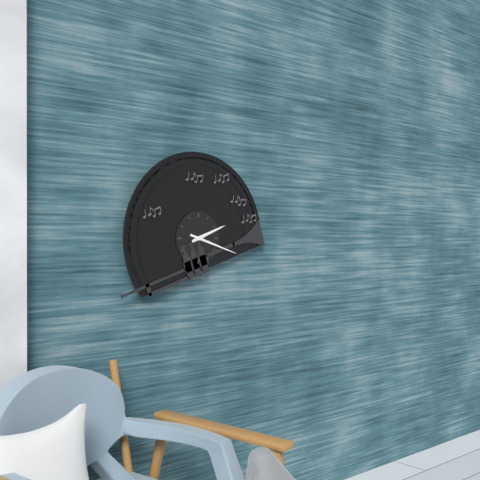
2,18
